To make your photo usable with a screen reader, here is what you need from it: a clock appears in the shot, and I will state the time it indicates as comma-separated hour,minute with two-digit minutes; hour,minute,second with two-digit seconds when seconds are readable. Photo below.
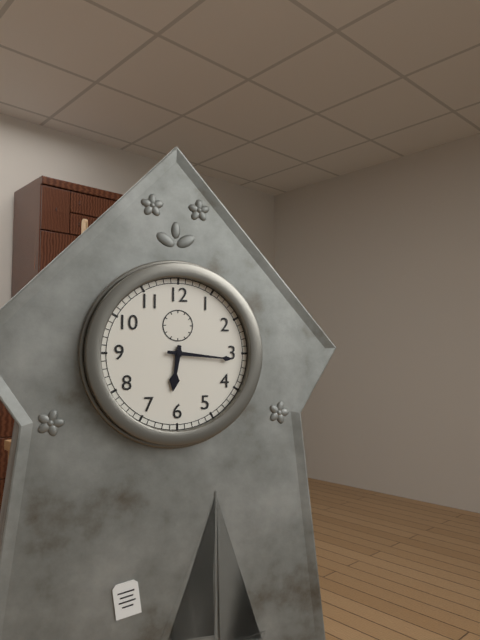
6,16
